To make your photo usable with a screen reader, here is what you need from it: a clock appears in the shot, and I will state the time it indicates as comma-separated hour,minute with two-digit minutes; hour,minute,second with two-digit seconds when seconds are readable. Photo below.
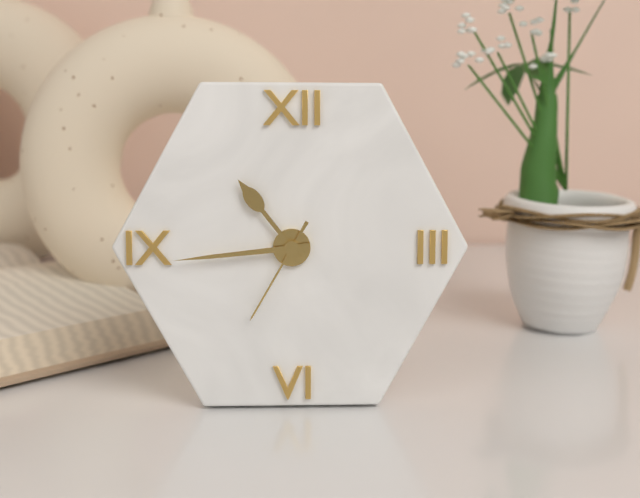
10,44,35
